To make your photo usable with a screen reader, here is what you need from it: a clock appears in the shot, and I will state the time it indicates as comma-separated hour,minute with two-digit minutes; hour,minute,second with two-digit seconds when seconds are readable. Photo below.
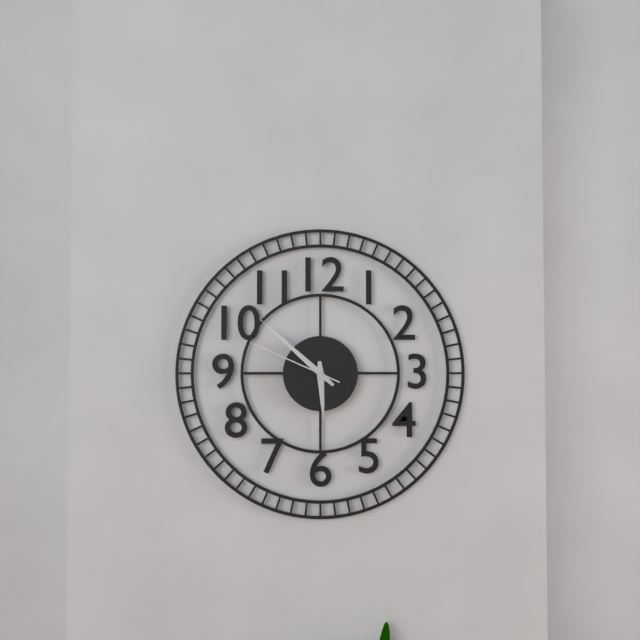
5,52,49
